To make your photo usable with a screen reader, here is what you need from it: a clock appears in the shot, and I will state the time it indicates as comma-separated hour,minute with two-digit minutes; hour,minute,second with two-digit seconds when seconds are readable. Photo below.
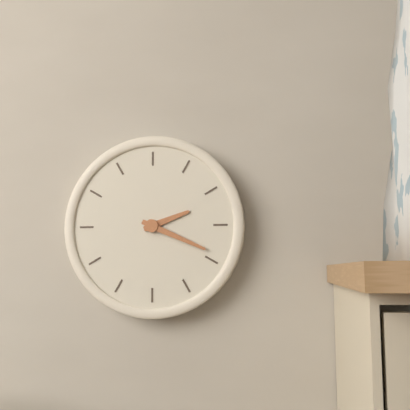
2,19
